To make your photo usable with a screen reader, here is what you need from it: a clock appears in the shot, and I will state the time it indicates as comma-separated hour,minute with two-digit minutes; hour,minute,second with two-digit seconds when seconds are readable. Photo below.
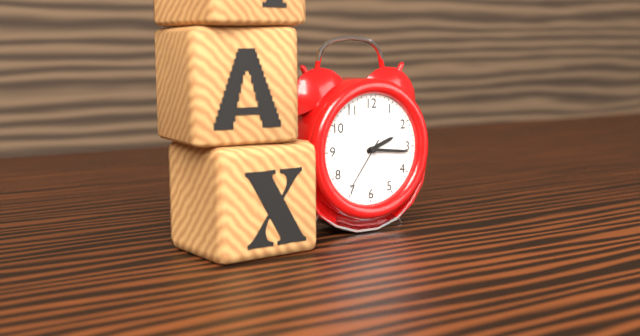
2,16,36
